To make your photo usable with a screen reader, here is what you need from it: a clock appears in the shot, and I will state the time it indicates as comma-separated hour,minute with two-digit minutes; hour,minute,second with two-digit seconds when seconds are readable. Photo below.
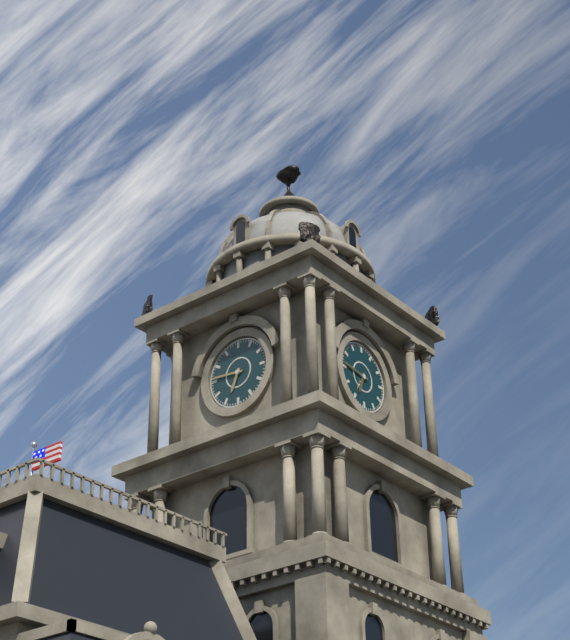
6,46
